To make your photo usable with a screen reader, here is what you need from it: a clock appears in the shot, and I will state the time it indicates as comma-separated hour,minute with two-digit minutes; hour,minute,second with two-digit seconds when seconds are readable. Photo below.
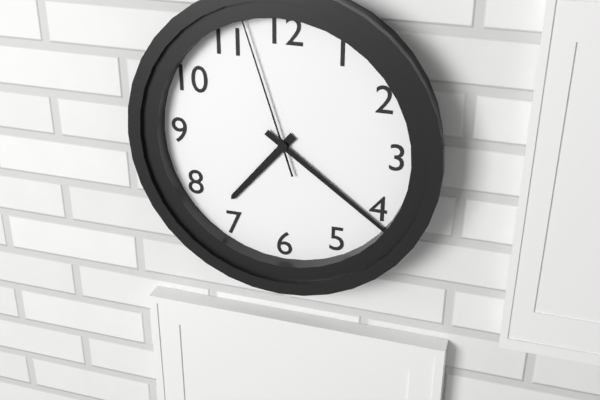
7,21,57
